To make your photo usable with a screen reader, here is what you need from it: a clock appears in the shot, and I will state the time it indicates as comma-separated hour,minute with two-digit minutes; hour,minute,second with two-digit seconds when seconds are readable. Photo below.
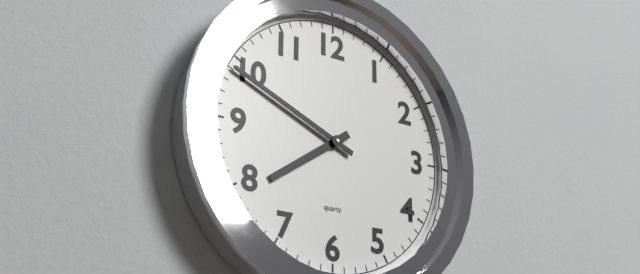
7,49
